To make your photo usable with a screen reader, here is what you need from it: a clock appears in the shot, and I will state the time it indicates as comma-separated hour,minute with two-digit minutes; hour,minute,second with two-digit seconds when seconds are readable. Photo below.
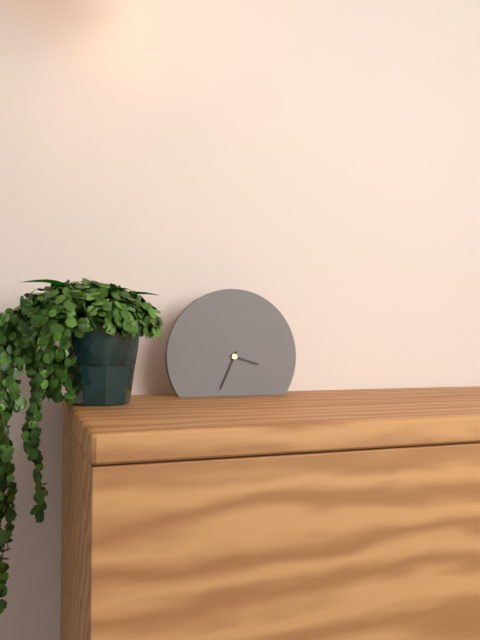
3,34
